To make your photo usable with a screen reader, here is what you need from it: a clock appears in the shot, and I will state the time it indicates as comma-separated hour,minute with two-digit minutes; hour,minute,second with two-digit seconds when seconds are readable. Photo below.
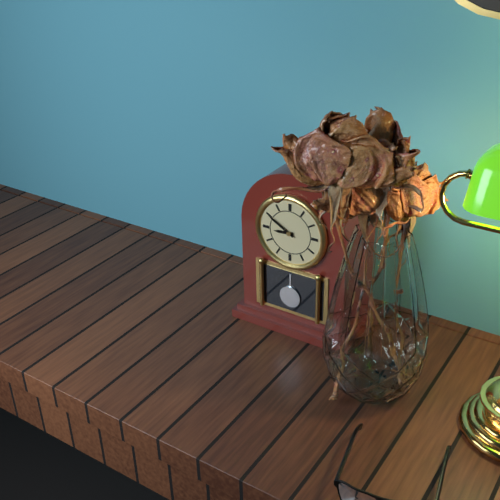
8,50
